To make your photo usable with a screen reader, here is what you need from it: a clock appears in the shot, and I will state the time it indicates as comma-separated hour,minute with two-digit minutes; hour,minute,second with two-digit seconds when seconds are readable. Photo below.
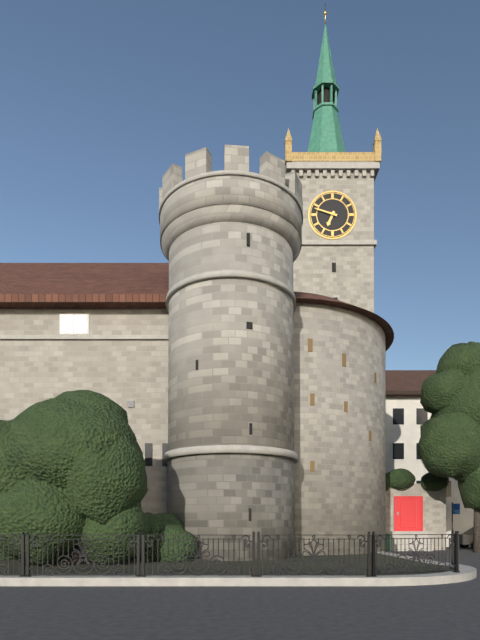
6,48
